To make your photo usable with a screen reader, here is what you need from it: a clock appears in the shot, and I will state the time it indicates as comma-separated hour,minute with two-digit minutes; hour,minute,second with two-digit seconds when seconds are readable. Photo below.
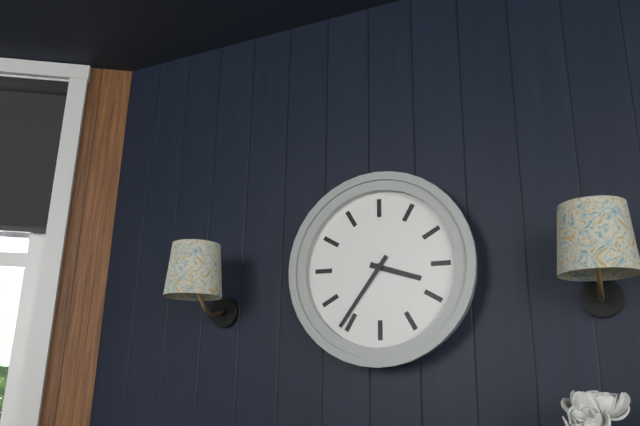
3,36
